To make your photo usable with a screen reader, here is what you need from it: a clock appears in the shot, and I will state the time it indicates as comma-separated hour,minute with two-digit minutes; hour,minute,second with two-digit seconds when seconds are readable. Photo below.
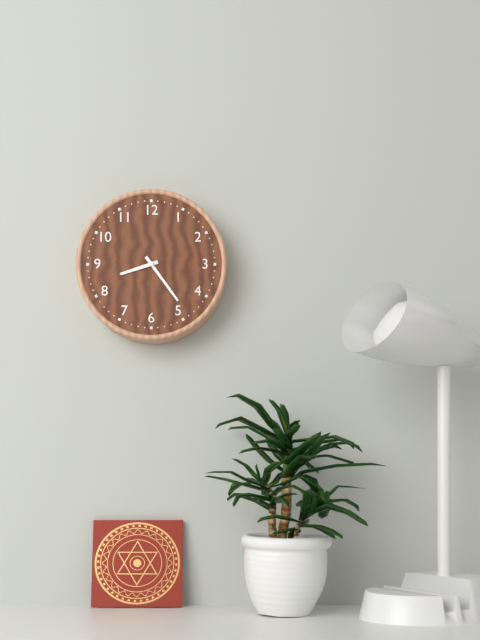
8,24
